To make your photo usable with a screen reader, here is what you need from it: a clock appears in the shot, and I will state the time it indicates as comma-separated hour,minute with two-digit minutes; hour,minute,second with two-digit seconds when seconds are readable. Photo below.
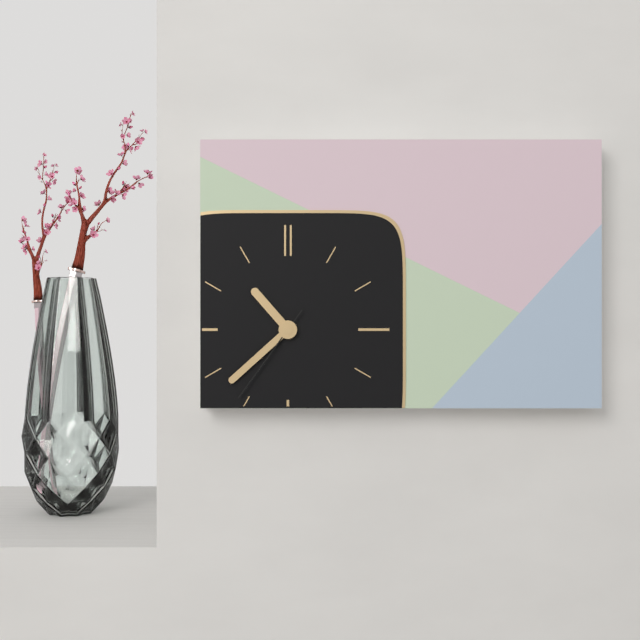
10,38,36
